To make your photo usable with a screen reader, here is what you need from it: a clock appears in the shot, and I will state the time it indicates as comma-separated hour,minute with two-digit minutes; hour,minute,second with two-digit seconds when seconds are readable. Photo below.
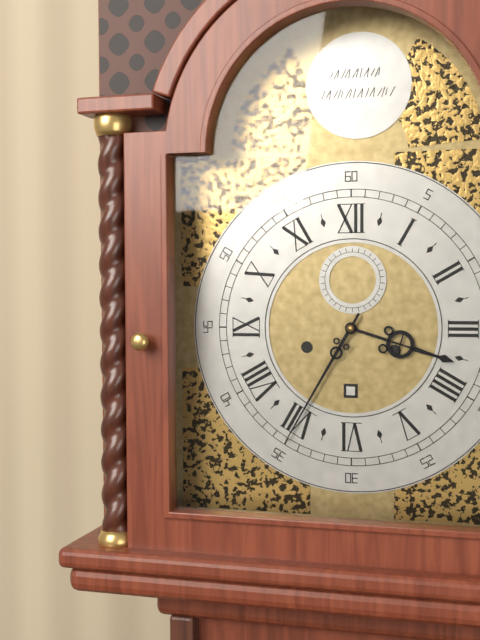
3,35
